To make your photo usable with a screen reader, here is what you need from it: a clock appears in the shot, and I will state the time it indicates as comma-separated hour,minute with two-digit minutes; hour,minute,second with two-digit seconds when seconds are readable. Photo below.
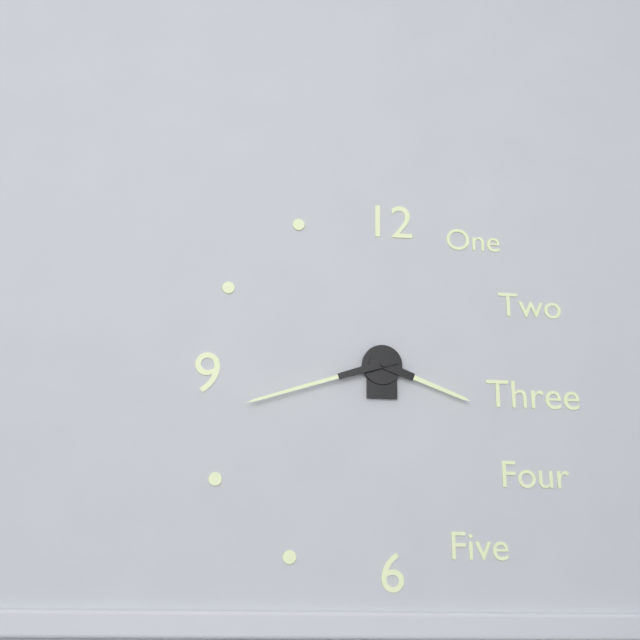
3,42
